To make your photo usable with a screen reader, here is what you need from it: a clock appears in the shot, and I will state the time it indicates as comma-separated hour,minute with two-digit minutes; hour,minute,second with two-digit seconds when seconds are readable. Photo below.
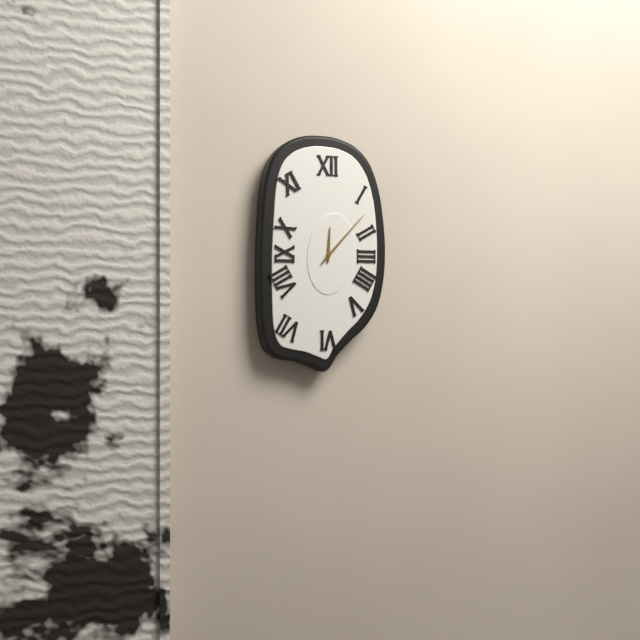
12,07
